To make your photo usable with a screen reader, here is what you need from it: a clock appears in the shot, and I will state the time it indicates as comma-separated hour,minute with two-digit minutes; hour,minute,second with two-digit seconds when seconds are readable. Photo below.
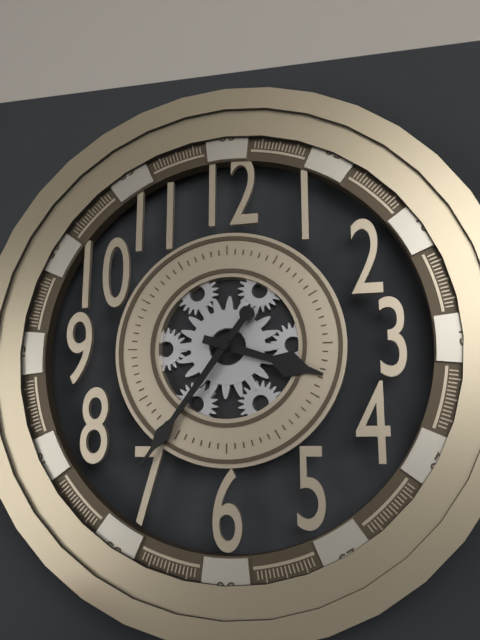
3,36
